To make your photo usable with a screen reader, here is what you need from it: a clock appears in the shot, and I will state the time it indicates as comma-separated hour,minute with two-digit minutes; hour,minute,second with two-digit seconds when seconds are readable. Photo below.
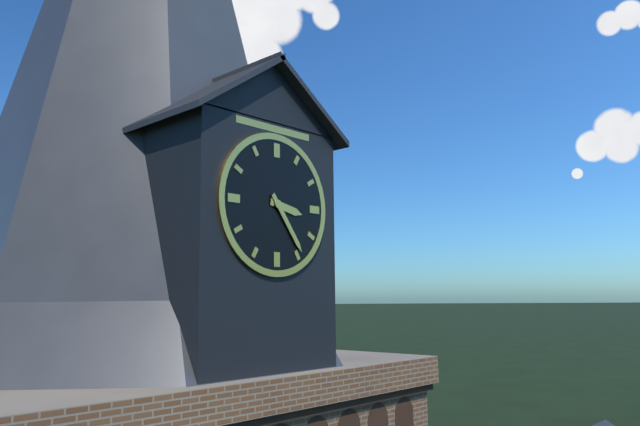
3,24
